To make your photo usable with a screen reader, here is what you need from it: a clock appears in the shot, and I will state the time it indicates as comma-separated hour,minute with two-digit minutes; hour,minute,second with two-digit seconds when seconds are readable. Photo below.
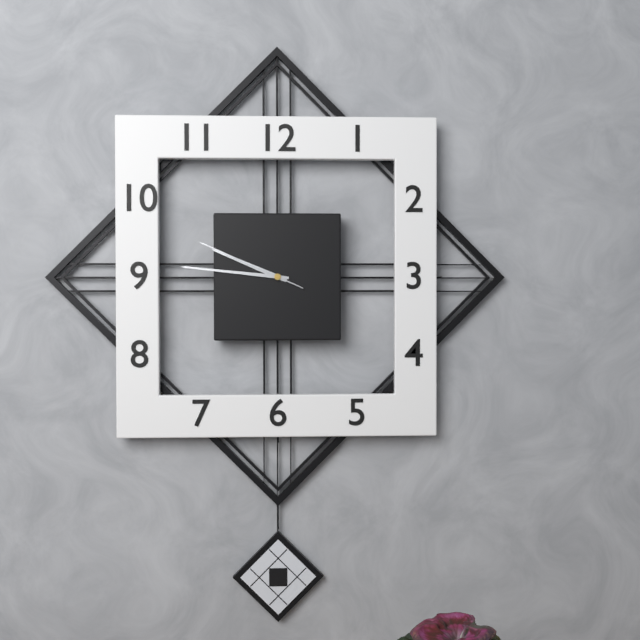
9,46,49
